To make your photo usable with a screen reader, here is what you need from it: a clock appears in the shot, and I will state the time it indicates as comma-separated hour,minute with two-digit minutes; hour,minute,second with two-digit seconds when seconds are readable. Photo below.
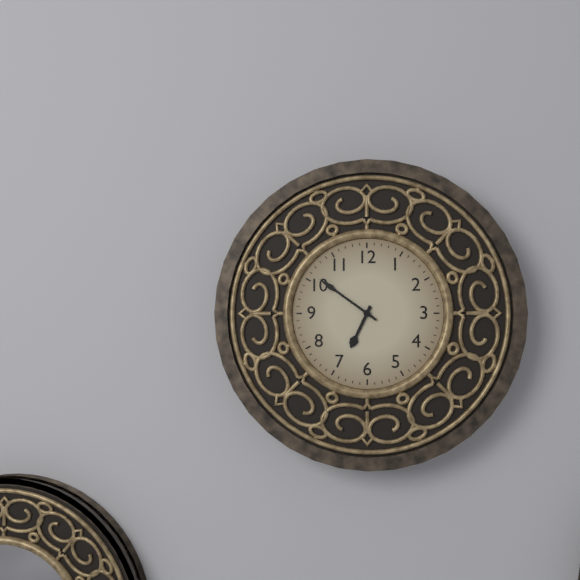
6,51
